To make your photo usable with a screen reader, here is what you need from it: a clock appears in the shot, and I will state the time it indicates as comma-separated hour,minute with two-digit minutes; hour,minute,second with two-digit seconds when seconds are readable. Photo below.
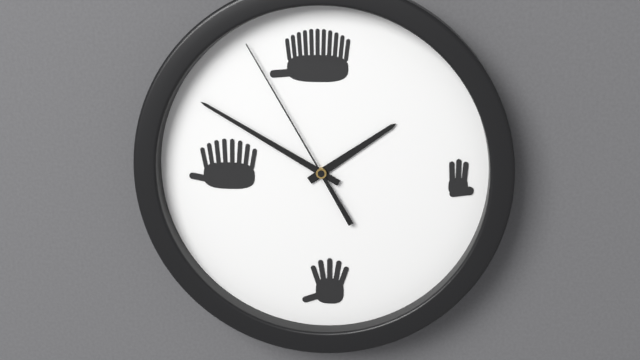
1,50,55
